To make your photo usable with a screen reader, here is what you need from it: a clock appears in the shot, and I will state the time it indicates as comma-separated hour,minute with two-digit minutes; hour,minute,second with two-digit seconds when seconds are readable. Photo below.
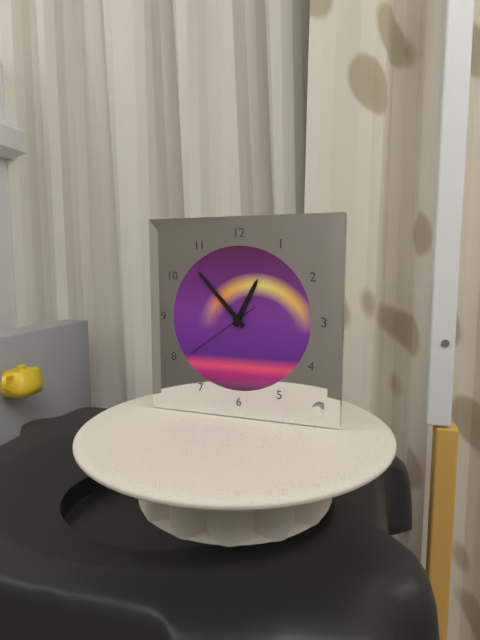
12,53,39
